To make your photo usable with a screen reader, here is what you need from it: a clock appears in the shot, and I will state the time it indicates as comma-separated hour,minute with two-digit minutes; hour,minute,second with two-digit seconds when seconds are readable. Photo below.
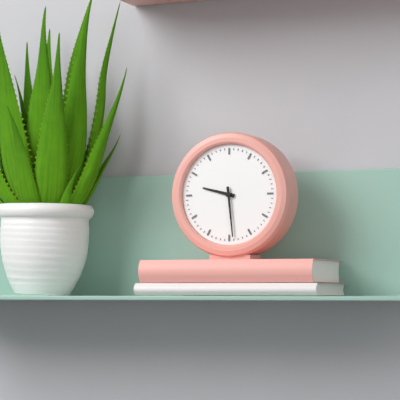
9,29
